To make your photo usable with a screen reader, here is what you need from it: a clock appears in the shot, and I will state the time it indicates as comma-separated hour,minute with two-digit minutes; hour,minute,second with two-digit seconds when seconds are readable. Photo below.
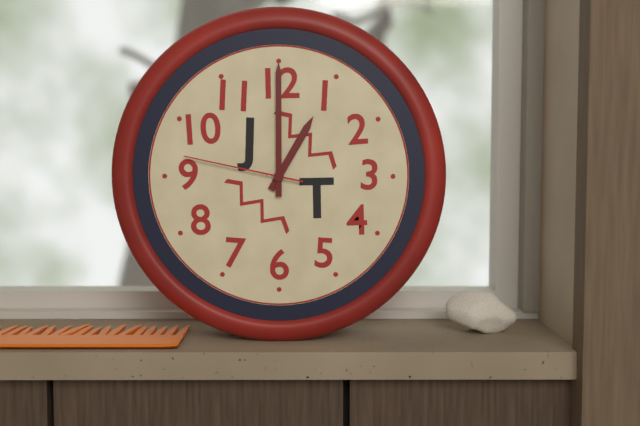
1,00,47
